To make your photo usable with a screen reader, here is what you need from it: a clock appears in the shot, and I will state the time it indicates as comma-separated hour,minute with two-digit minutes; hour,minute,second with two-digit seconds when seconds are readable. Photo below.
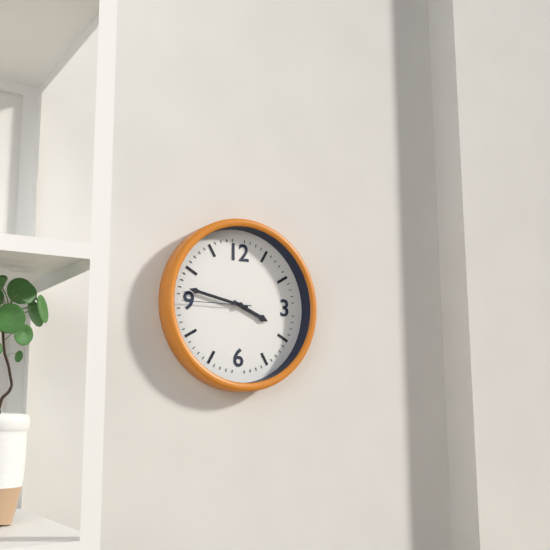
3,47,45
